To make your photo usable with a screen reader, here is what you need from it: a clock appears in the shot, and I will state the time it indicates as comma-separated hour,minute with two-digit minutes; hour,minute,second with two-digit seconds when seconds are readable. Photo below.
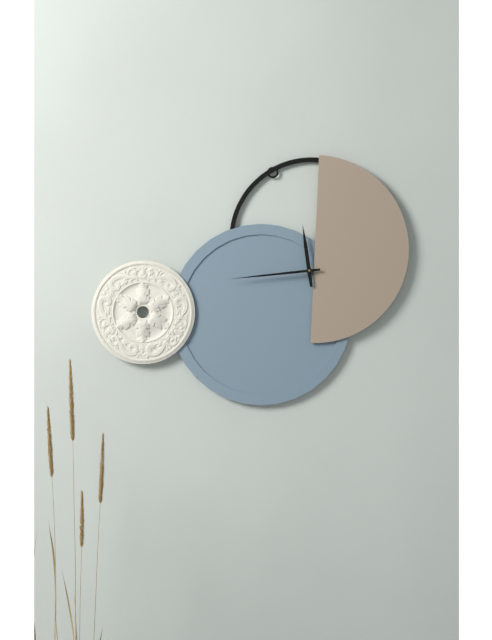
11,44
